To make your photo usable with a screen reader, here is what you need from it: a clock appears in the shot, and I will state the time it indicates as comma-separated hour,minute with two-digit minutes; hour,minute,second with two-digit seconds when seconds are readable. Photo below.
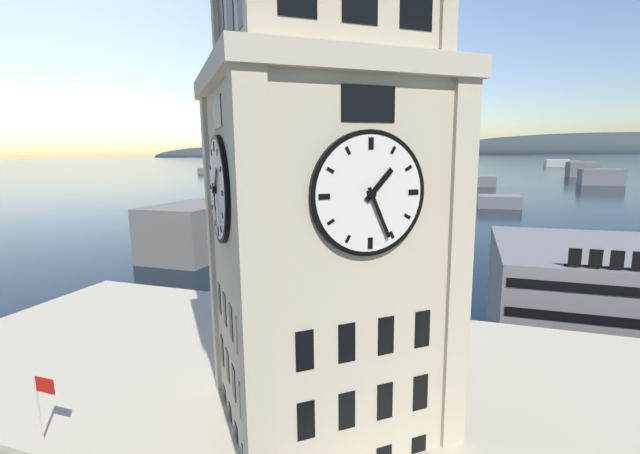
1,26
